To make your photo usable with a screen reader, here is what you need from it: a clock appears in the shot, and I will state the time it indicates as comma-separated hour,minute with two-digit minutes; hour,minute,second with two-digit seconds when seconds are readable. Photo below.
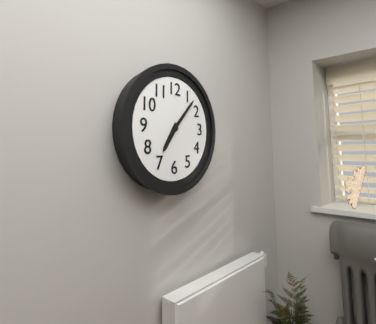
7,07
